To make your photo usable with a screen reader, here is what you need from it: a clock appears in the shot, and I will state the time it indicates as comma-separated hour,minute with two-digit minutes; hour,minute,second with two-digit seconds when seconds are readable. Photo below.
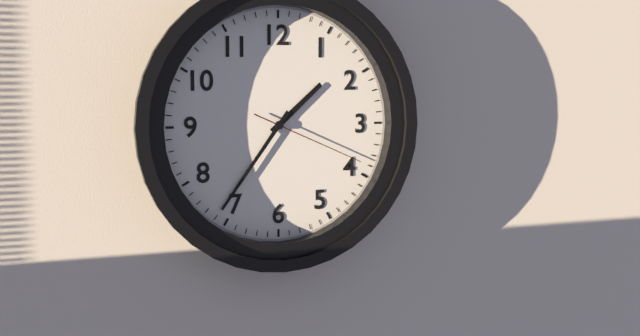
1,36,19
